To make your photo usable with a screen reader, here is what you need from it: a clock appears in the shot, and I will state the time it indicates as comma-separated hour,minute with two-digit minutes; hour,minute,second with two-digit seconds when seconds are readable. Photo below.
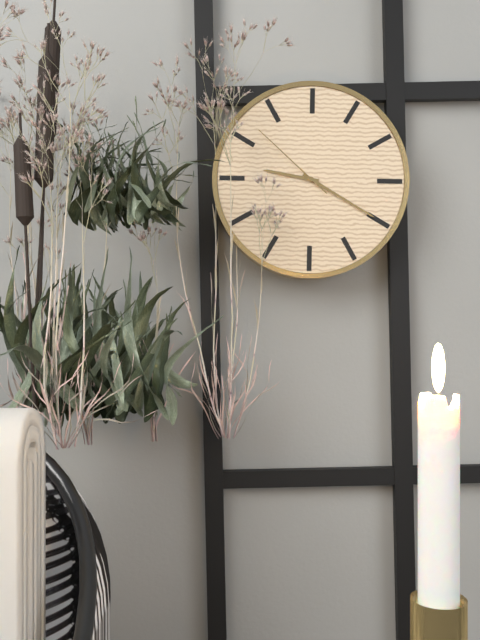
9,20,52
